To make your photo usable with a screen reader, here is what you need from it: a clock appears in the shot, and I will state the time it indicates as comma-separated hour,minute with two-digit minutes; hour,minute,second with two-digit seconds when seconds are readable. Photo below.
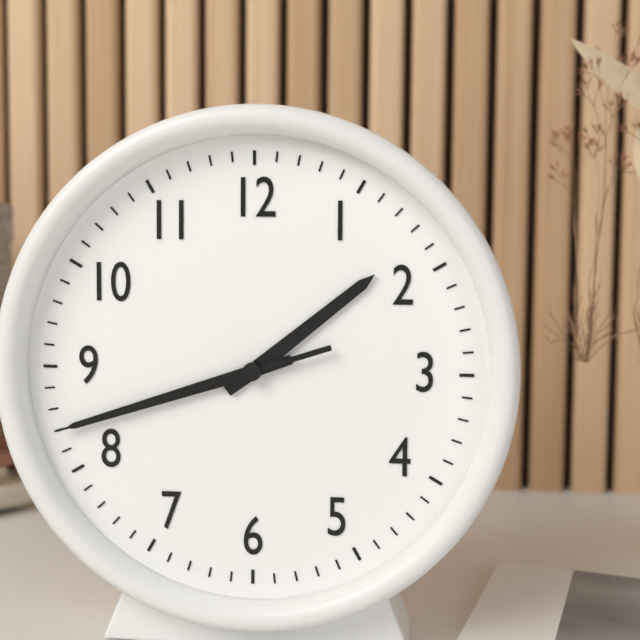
1,42,42
